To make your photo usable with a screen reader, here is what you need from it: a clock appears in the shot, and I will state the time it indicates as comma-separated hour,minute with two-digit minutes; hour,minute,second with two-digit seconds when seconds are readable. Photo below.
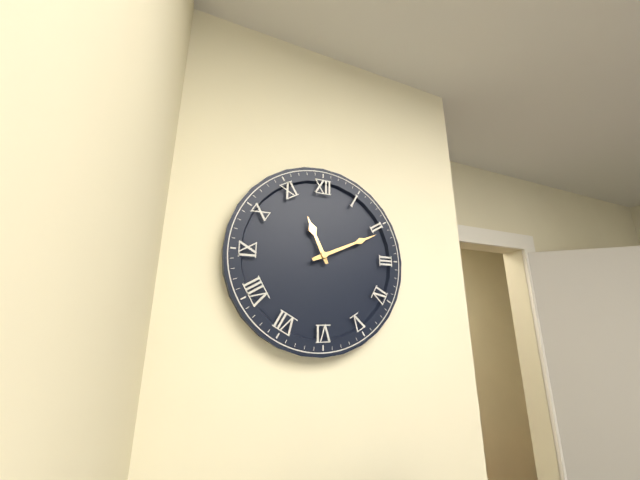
11,11
